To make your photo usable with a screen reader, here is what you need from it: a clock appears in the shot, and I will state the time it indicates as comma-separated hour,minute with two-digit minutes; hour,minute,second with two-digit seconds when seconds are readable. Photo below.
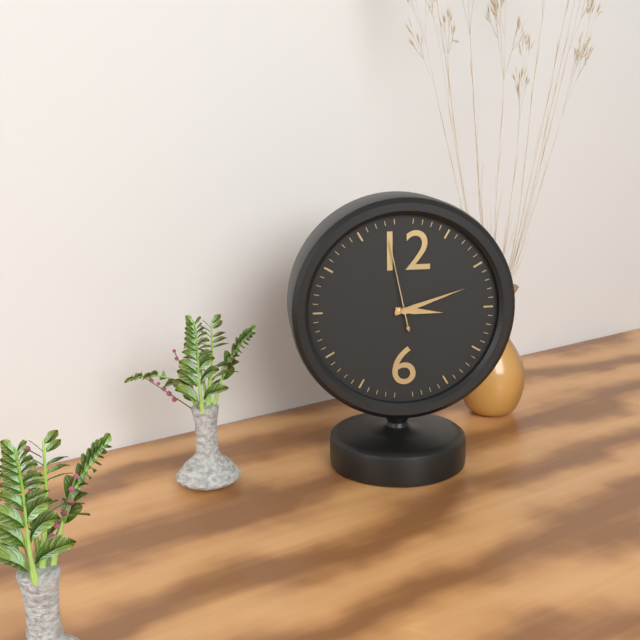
3,12,58
